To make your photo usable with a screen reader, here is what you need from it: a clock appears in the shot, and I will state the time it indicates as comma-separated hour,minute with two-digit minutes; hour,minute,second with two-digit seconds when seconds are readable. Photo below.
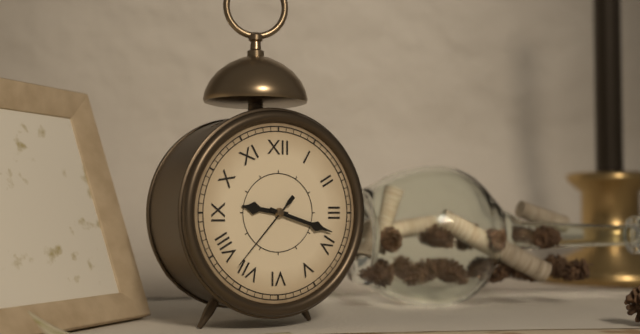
9,18,37
